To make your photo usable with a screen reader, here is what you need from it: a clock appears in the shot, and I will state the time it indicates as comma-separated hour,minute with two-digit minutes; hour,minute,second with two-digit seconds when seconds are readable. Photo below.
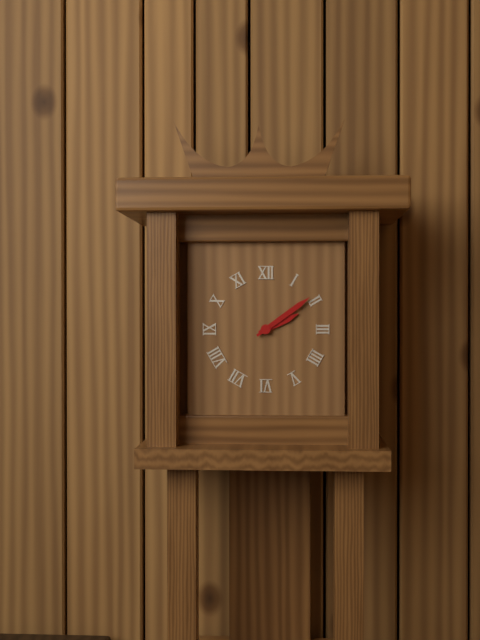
2,09
